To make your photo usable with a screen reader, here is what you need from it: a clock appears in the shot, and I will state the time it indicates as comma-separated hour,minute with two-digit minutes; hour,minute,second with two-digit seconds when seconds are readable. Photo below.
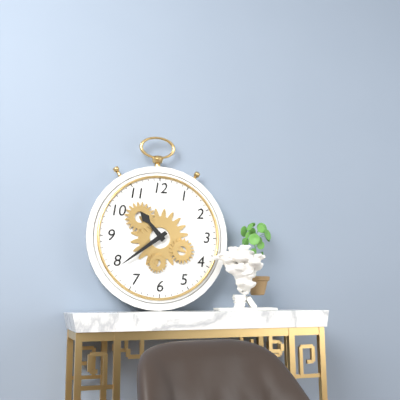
10,39
